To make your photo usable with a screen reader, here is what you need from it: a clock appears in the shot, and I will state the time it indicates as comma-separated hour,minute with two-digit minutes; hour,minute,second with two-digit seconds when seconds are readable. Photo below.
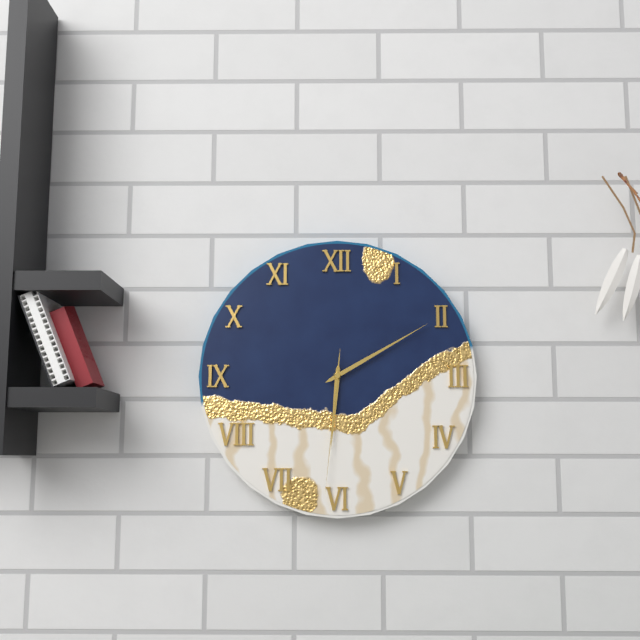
6,10,31
